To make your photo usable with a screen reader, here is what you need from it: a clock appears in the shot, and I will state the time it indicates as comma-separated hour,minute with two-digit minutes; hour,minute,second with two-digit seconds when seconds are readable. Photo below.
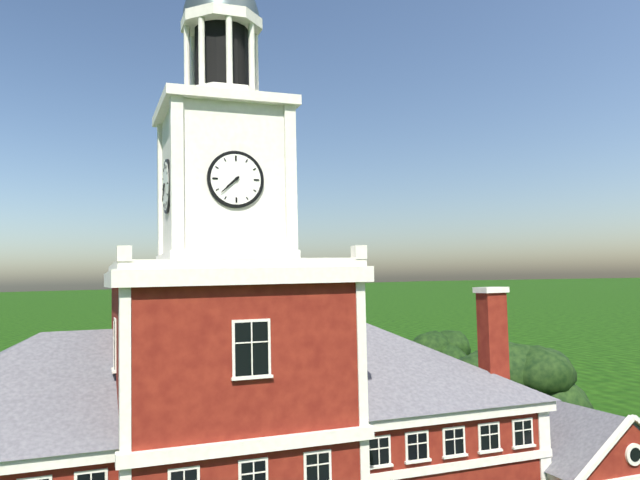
7,38
